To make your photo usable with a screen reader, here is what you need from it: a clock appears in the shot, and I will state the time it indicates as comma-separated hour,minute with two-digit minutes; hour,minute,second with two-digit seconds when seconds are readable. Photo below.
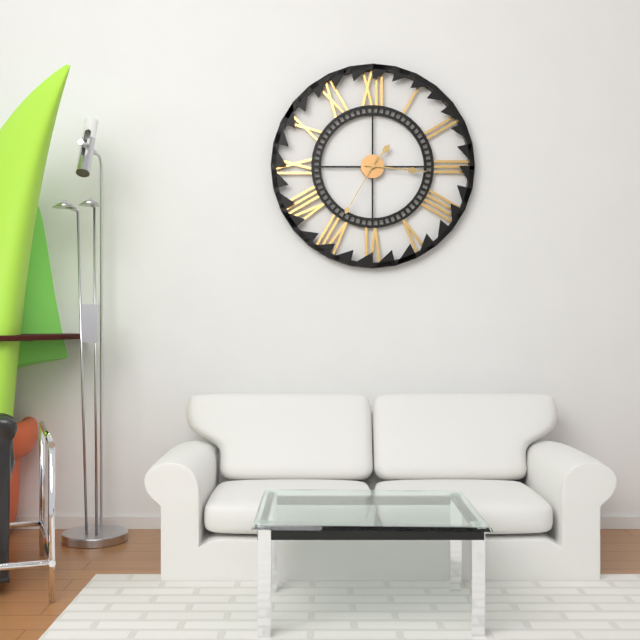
1,16,35
